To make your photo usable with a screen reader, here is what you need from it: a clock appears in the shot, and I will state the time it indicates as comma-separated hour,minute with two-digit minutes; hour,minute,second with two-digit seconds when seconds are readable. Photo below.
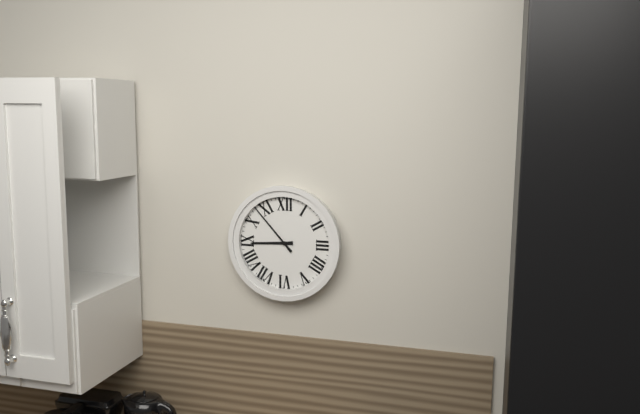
8,53
